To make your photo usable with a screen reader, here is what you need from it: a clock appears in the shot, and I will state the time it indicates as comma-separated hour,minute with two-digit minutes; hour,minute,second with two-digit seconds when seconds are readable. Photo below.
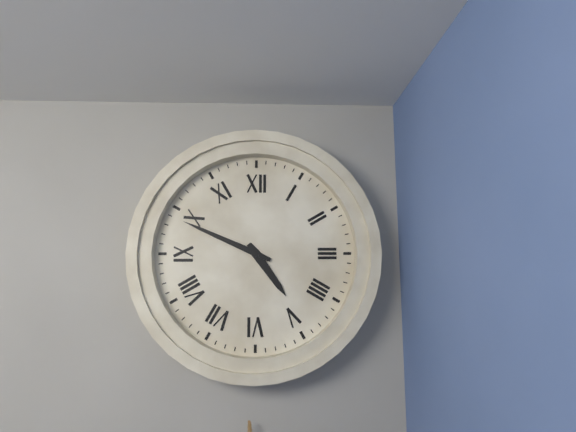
4,49
